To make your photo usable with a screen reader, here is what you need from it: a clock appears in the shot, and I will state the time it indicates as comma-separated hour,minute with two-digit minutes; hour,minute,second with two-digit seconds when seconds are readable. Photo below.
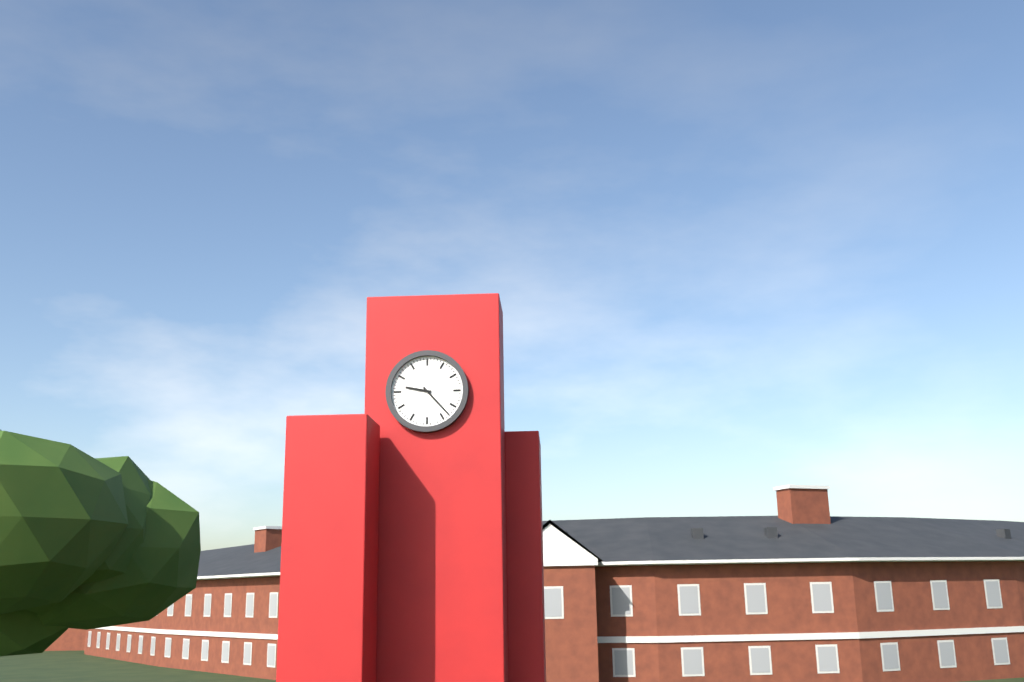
9,23
